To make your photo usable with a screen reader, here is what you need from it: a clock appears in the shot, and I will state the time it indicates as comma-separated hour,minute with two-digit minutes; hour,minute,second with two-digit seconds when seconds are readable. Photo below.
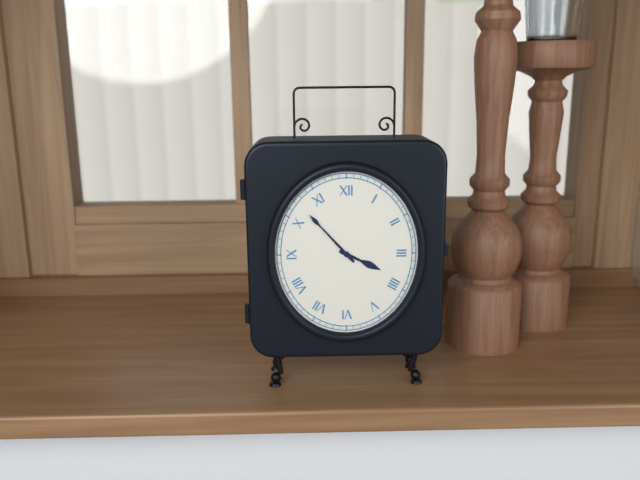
3,53
